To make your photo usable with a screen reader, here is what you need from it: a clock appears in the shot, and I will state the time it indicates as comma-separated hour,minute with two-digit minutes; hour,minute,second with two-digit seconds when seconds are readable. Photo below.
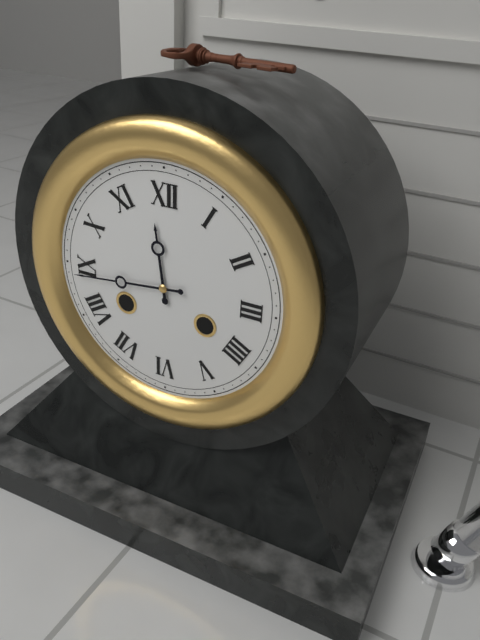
11,44
